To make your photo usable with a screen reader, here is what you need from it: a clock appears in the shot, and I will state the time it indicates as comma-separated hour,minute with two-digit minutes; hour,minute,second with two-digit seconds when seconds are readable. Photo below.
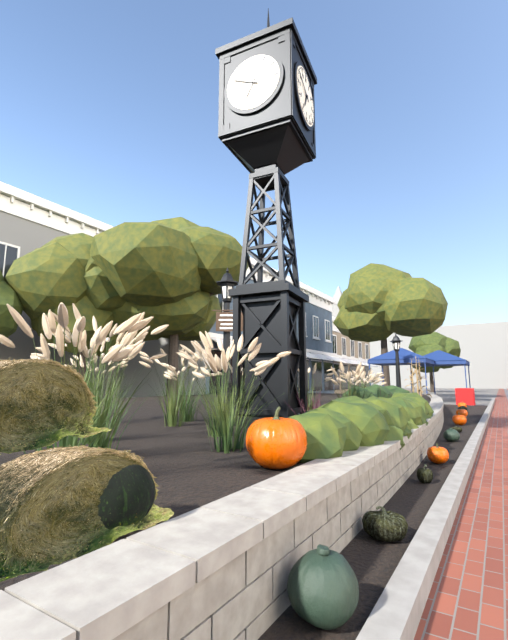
6,49
